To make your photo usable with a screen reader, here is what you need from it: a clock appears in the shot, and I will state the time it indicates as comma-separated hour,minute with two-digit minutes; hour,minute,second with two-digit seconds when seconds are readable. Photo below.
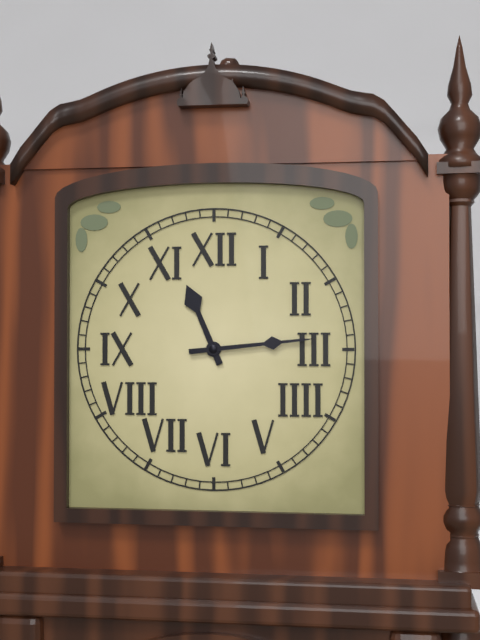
11,14
